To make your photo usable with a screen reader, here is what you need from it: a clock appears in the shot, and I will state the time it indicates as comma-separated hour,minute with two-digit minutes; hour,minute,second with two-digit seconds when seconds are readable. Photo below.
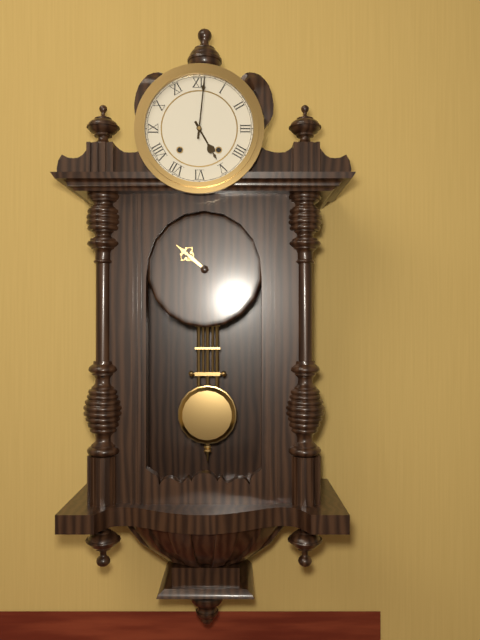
5,01
